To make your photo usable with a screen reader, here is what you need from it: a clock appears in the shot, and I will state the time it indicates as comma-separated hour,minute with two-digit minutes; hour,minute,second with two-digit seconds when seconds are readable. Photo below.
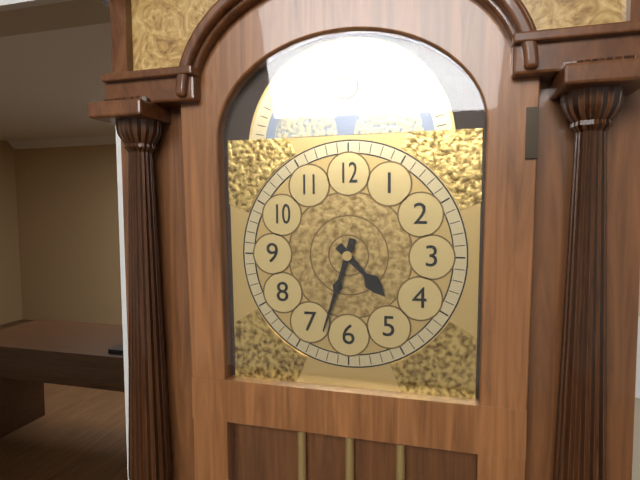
4,33
